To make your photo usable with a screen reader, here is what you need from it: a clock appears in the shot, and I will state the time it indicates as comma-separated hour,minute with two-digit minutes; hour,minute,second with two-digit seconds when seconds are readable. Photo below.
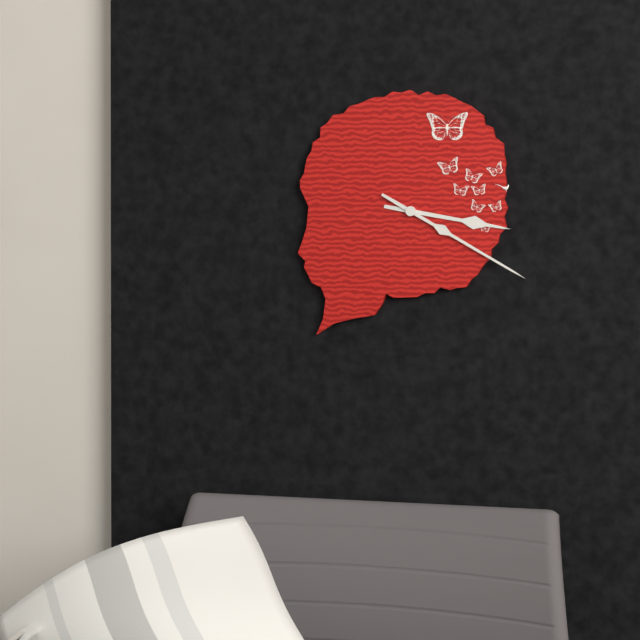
3,20
